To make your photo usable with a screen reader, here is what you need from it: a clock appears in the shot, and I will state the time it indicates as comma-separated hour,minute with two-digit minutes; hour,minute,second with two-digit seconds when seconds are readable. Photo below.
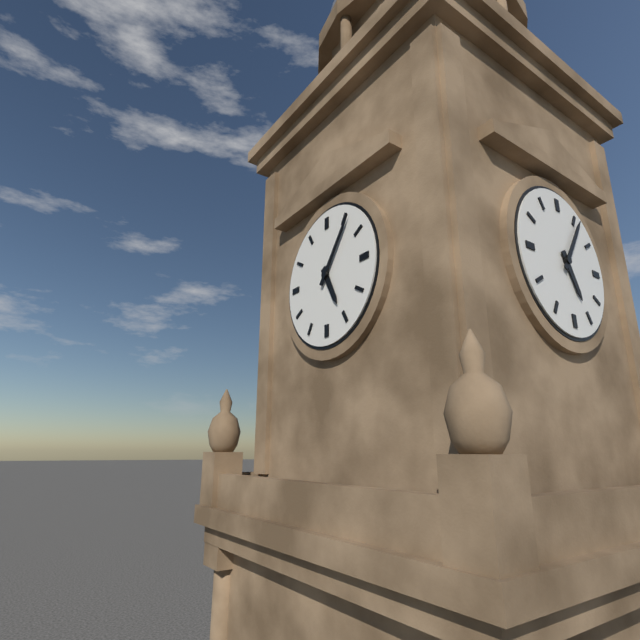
5,06
